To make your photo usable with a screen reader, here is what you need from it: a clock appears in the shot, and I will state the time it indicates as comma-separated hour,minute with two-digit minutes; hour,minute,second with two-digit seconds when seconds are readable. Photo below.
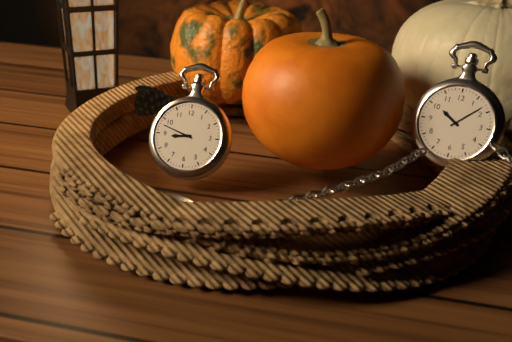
8,48
